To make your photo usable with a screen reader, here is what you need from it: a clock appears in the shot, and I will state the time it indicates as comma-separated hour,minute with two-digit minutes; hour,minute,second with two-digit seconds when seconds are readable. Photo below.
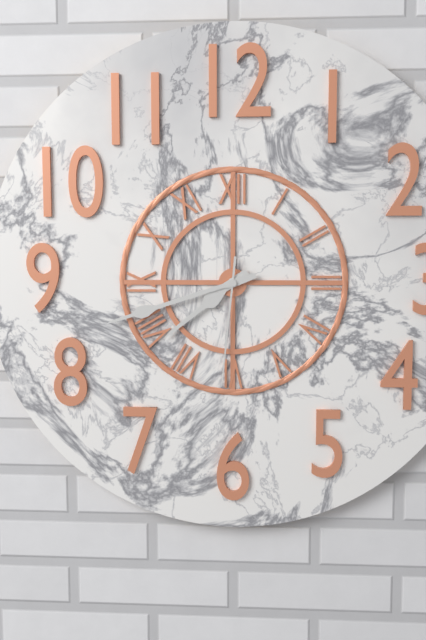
7,42,31
